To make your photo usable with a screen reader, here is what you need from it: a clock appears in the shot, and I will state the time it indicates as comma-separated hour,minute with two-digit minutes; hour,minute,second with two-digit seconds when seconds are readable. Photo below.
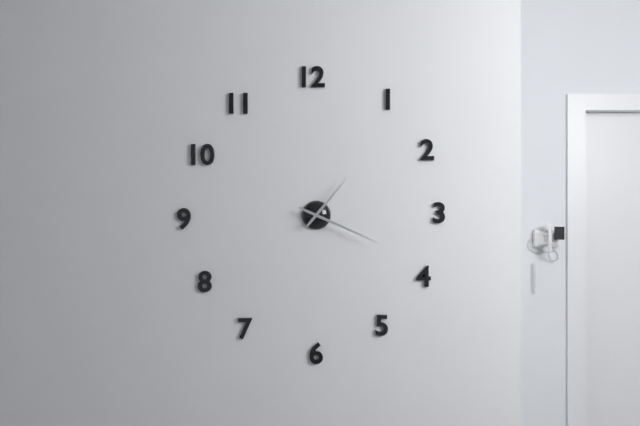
1,19
